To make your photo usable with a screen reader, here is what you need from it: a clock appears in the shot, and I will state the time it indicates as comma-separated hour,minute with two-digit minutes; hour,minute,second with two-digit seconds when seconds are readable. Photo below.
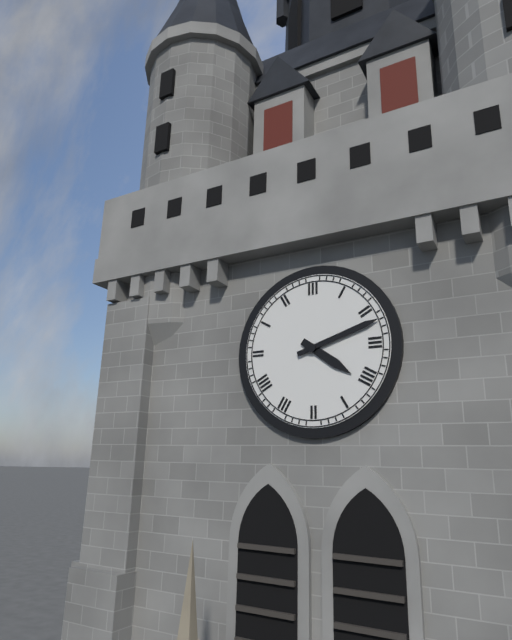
4,12
